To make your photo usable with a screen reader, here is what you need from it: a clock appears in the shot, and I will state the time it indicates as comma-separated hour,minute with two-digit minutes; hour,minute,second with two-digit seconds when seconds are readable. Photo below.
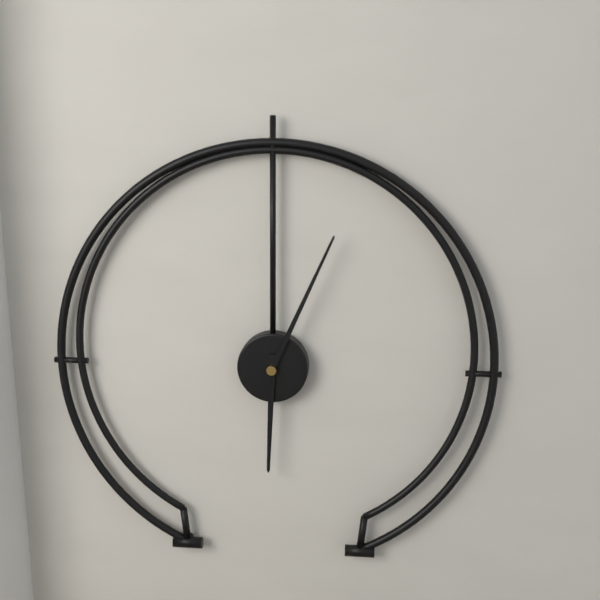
6,04
